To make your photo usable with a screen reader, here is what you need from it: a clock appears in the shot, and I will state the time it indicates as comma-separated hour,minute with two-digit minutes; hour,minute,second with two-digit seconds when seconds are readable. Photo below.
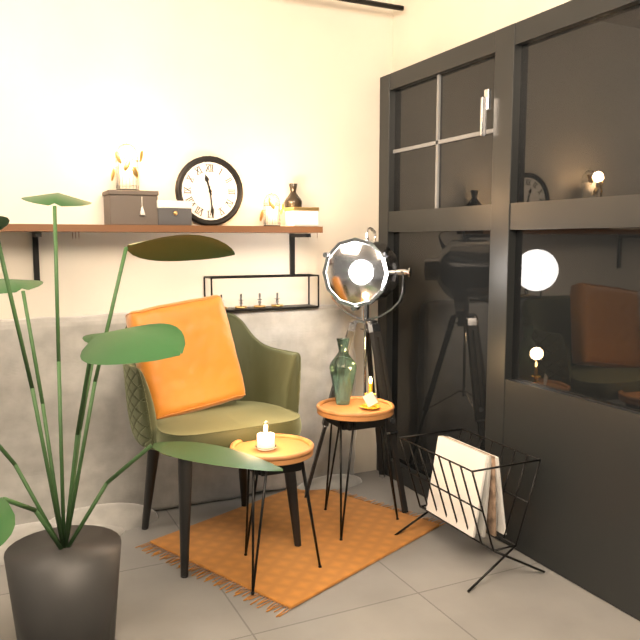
11,29
